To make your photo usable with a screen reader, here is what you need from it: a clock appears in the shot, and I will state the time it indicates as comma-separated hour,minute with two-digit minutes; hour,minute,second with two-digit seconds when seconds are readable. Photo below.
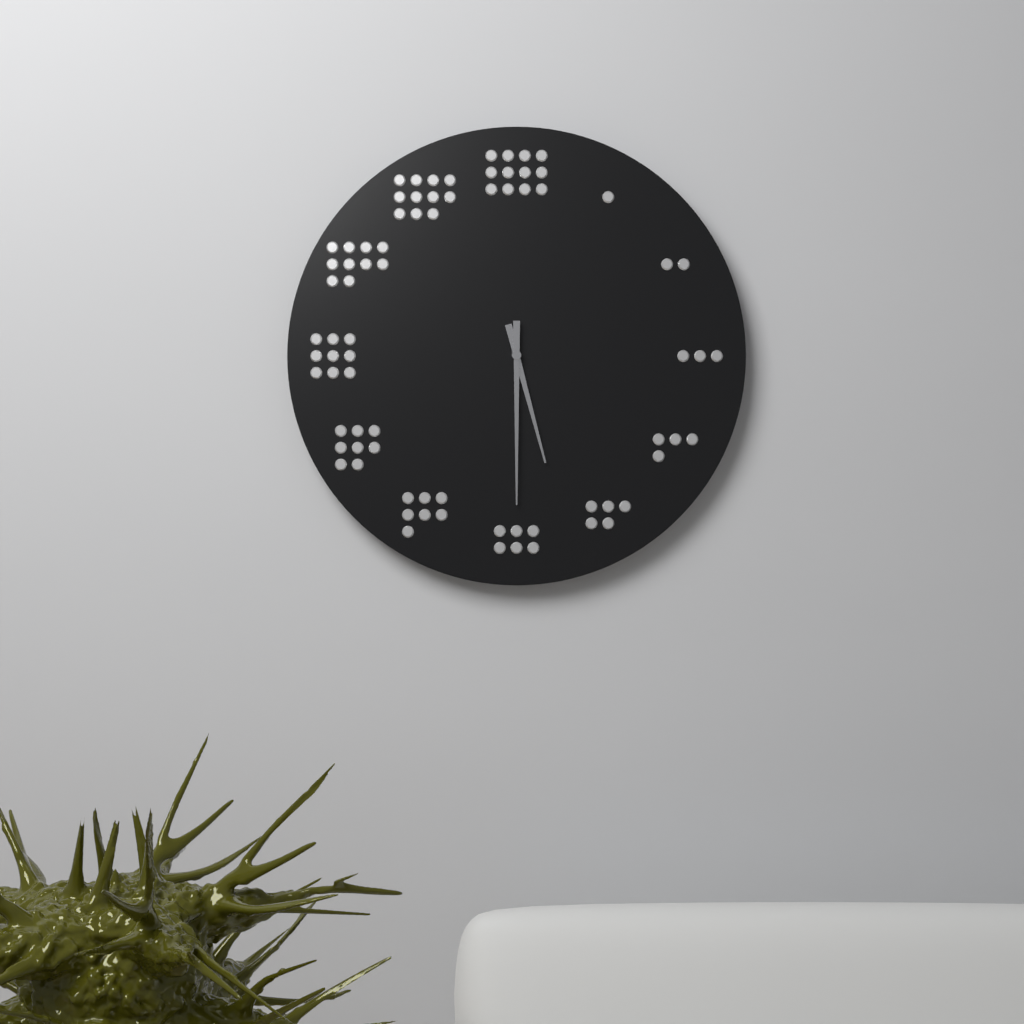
5,30
